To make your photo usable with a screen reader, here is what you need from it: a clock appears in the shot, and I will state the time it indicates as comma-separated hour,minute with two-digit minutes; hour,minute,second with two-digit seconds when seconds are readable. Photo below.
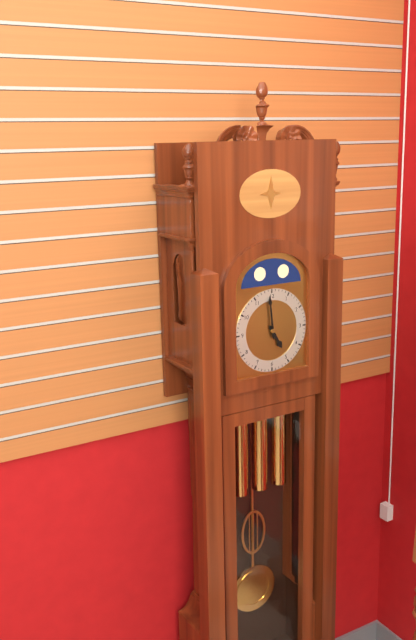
4,59
